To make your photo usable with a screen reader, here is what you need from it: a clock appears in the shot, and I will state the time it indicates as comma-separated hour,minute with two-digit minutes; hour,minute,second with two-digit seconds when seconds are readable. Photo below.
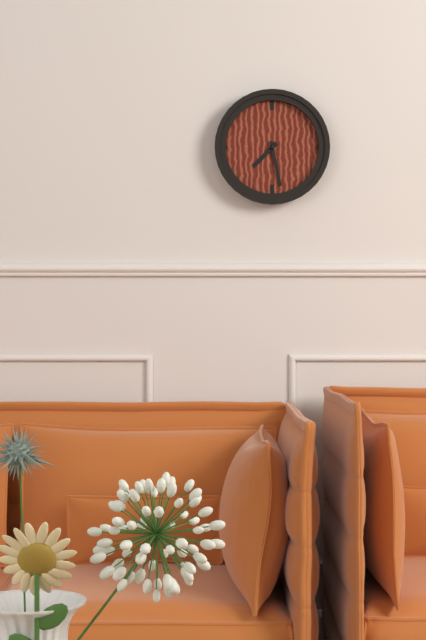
7,28
